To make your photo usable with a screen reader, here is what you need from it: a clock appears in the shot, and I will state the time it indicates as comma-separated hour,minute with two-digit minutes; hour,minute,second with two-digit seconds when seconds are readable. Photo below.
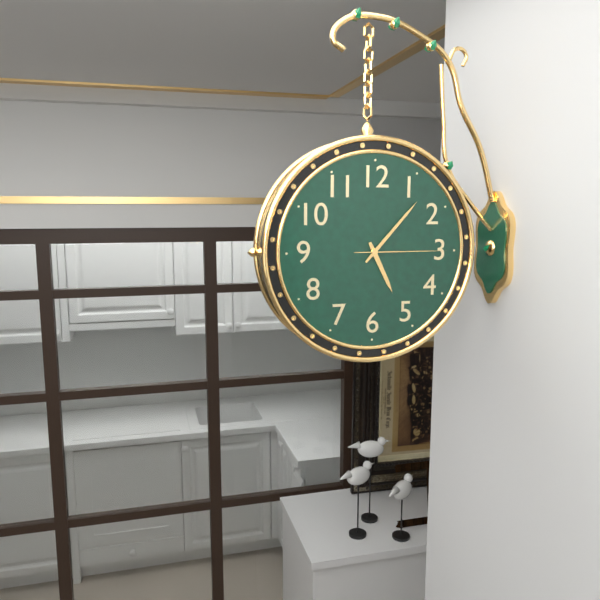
5,07,15
